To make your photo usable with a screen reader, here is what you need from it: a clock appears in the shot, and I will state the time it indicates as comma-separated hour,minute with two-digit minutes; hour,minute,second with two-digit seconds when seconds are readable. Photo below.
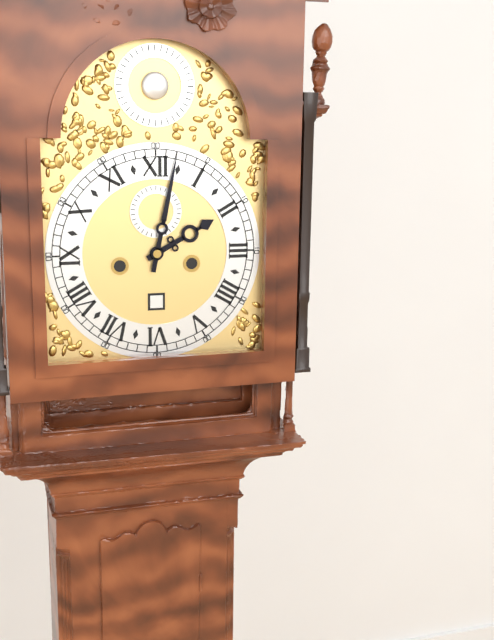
2,02
